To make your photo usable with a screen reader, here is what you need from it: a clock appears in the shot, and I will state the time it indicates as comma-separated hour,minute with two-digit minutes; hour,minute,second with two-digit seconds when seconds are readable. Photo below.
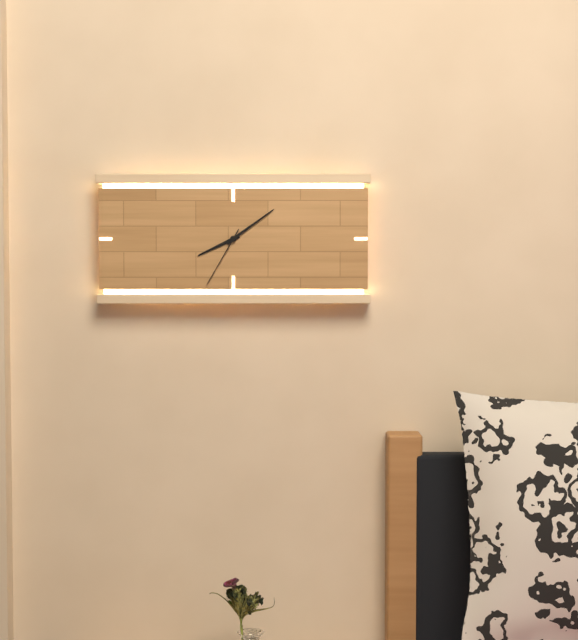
8,09,35
